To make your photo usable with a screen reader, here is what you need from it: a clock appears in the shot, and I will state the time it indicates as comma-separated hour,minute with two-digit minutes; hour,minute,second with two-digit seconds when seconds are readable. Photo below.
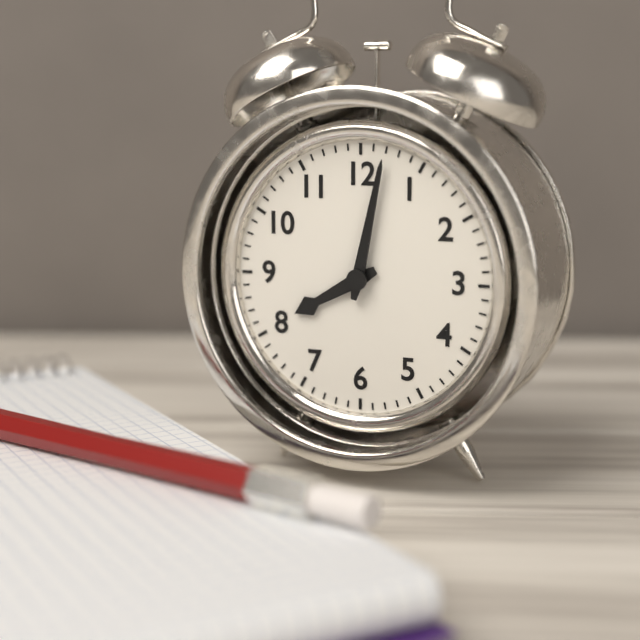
8,02
